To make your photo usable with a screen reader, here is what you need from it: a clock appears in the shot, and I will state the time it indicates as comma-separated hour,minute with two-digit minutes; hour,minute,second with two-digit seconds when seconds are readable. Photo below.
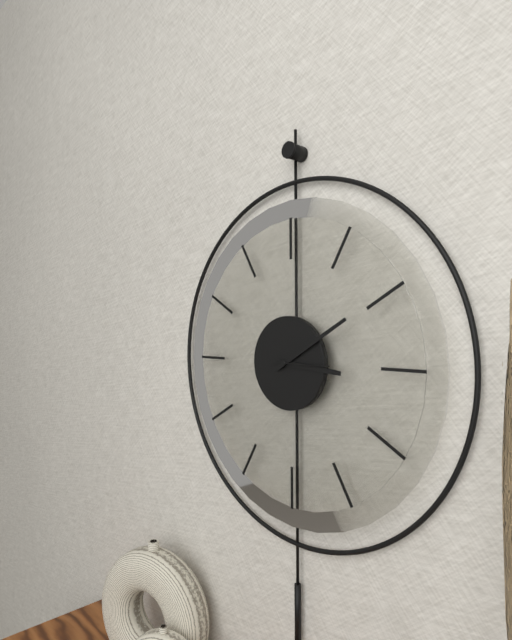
3,10,15
